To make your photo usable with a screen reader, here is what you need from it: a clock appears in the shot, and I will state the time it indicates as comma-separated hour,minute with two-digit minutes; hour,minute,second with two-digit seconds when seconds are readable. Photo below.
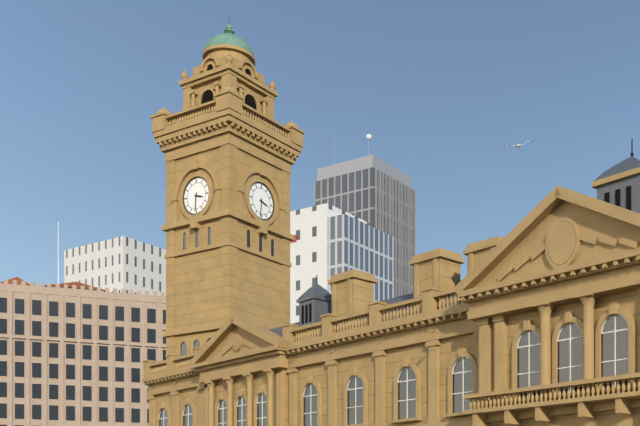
3,31
